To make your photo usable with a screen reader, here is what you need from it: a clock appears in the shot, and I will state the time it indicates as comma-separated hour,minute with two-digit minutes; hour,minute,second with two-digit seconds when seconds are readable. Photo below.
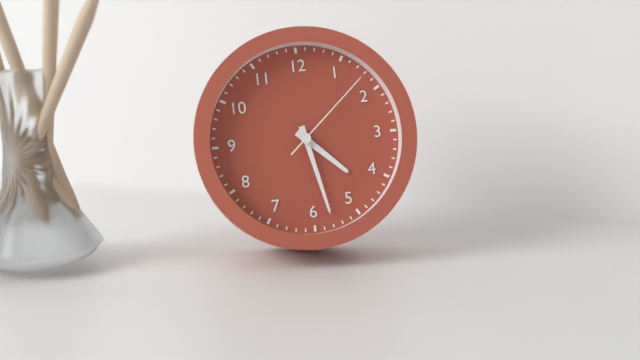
4,28,08
